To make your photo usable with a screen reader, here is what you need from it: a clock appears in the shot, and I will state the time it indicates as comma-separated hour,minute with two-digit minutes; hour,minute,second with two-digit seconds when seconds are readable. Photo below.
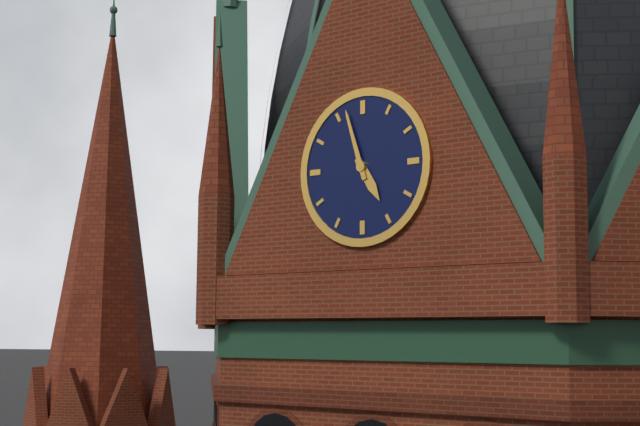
4,57
